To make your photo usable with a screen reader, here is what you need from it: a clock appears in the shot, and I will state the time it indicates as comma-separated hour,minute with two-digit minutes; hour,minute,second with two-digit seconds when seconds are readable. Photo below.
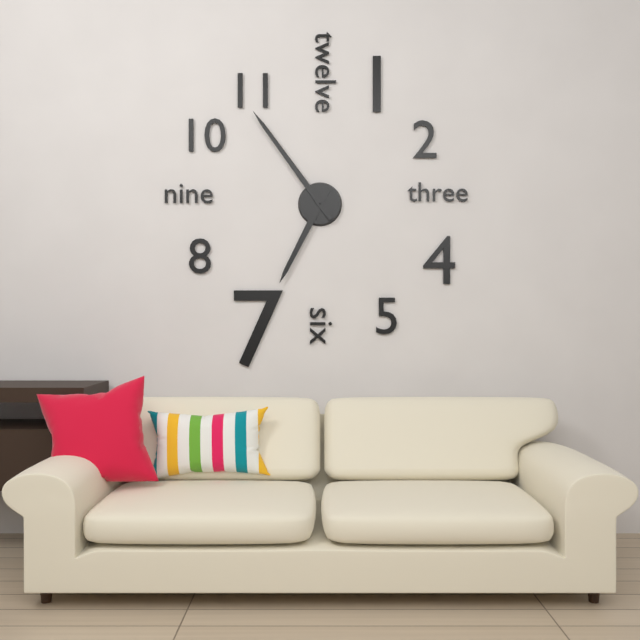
6,54
